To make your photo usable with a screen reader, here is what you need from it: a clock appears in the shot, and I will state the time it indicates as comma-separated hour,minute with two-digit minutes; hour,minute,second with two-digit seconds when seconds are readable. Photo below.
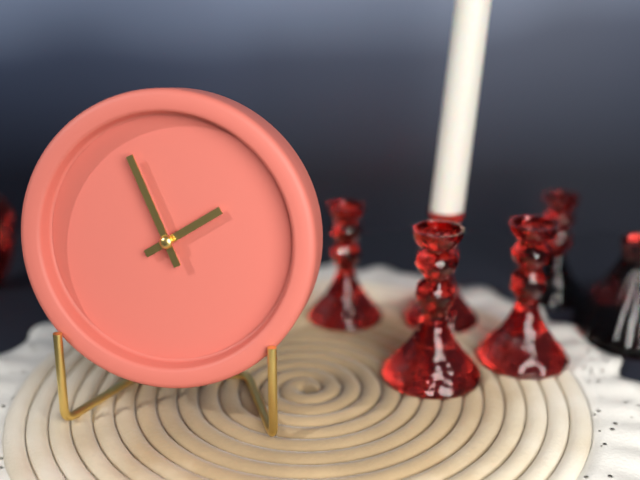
1,56
